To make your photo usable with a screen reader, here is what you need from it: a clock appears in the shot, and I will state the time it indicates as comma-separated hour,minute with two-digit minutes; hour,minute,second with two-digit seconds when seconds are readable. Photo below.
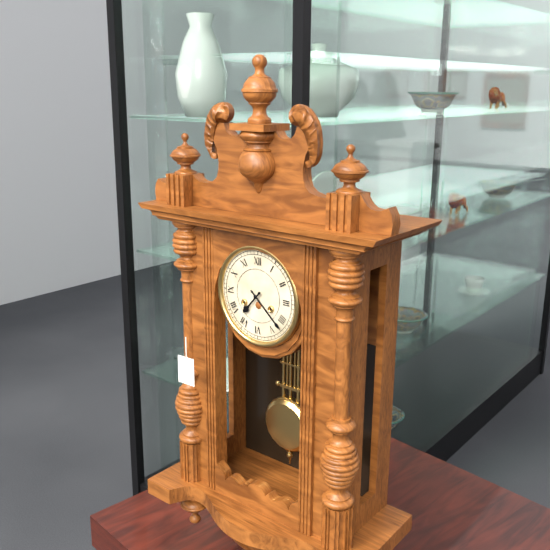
7,22
